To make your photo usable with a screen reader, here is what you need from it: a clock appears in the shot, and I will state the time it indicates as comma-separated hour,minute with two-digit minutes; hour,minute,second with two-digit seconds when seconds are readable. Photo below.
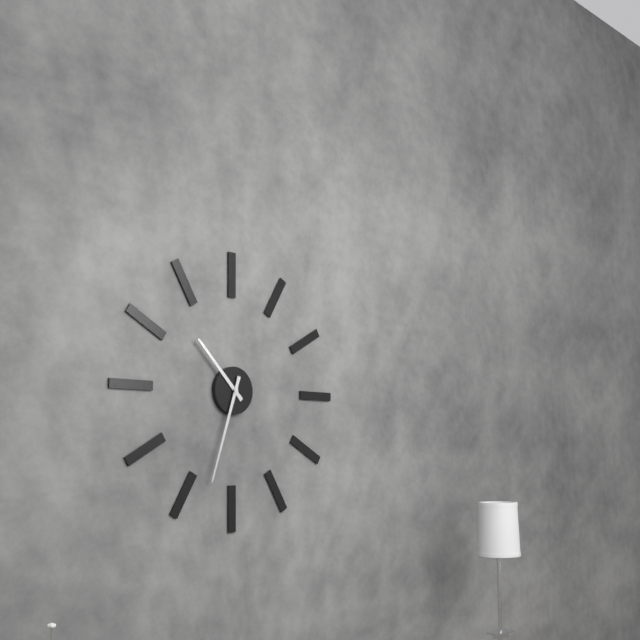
10,33
